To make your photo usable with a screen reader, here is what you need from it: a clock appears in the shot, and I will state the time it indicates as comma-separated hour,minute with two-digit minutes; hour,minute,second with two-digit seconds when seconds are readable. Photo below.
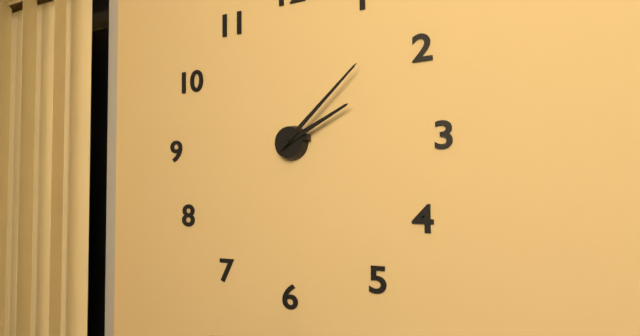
2,08
